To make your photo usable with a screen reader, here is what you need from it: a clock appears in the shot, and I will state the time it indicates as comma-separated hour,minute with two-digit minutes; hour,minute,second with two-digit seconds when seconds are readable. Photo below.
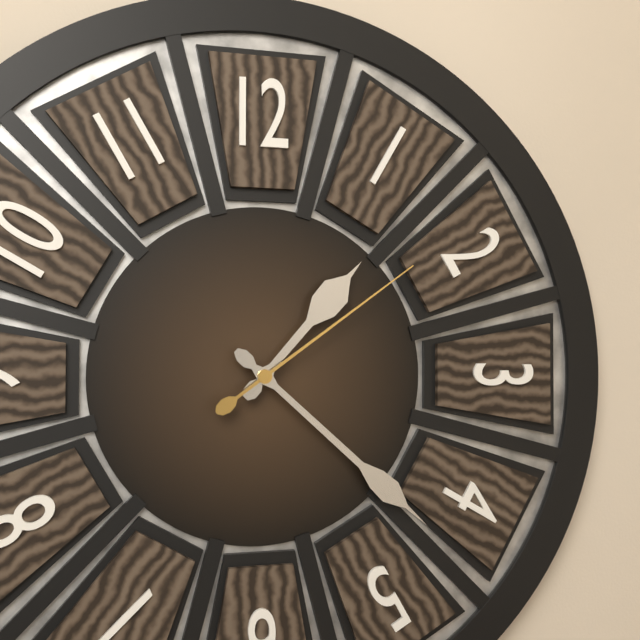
1,22,09
